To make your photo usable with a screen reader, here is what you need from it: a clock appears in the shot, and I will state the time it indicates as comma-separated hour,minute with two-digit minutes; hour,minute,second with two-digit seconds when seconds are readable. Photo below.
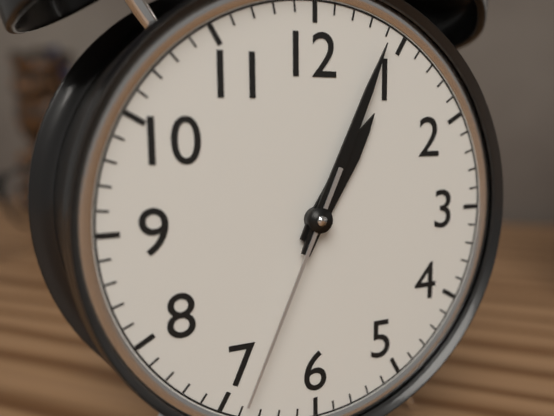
1,04,34
